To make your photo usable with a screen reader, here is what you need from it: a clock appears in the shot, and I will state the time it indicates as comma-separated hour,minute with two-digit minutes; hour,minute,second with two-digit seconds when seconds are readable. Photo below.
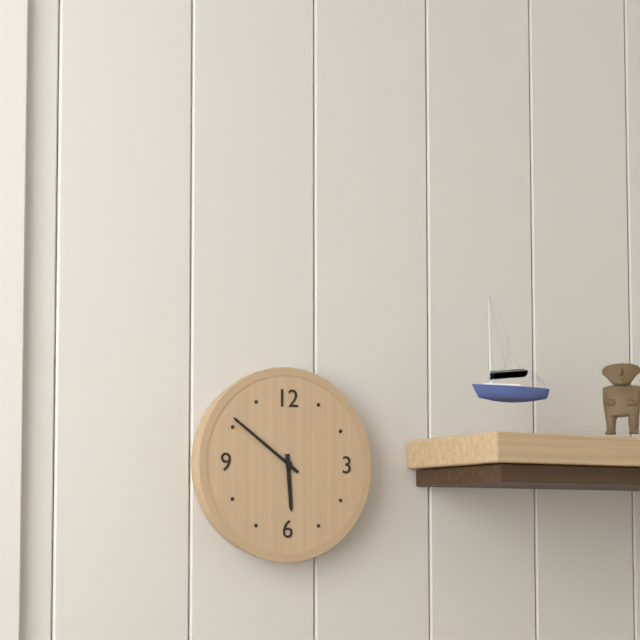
5,51
